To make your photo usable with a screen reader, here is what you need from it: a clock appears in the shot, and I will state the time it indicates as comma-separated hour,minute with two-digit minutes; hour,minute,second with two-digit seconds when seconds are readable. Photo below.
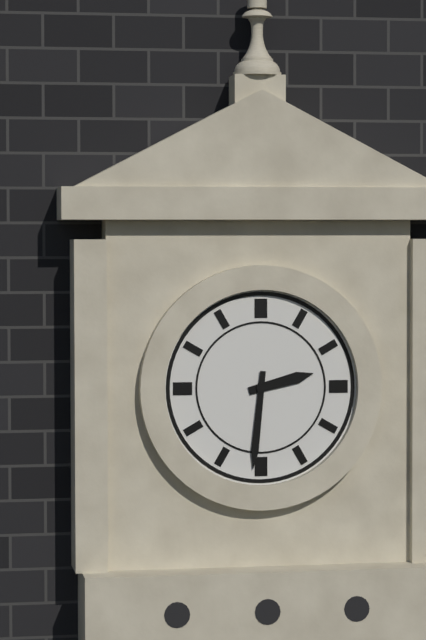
2,31
